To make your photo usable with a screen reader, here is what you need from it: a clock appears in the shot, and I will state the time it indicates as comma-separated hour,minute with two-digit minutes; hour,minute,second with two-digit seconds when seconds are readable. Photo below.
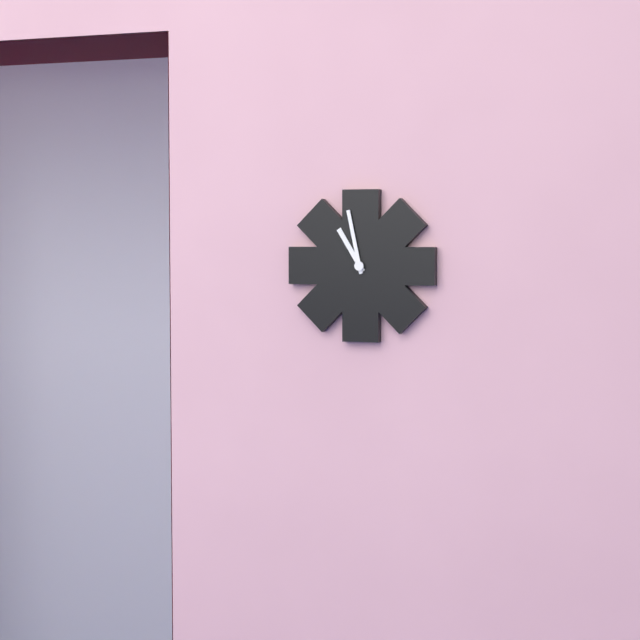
10,58
